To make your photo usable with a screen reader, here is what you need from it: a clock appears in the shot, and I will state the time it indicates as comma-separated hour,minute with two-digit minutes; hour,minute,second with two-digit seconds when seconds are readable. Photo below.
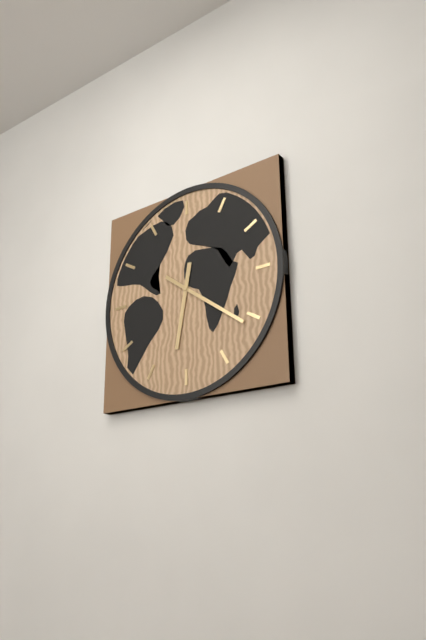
6,21
